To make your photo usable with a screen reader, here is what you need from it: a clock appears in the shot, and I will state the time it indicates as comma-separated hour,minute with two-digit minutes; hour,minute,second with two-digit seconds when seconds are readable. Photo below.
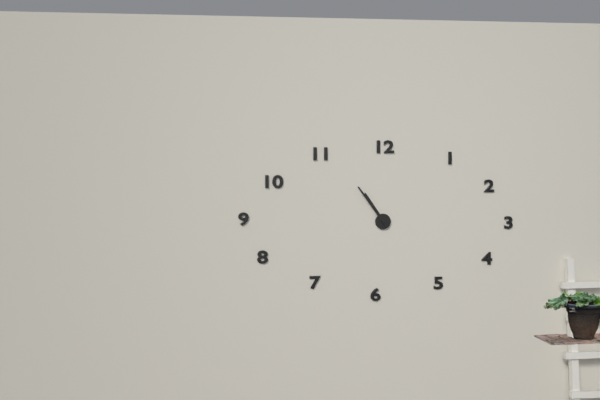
10,54
